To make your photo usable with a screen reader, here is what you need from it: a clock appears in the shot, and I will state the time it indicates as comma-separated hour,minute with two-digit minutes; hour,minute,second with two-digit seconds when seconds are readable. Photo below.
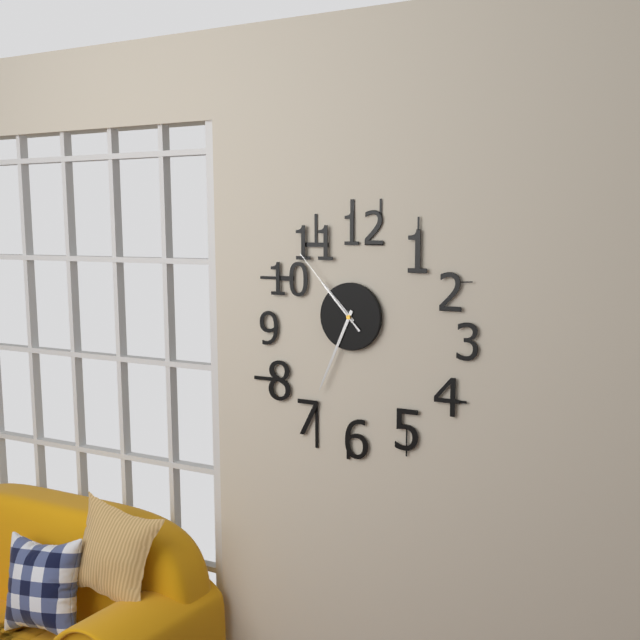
10,34,53
